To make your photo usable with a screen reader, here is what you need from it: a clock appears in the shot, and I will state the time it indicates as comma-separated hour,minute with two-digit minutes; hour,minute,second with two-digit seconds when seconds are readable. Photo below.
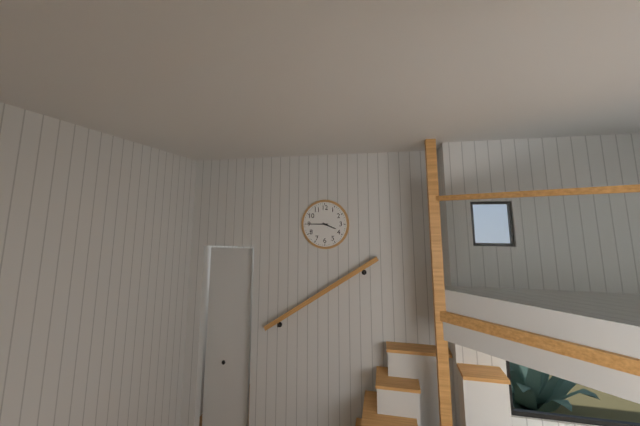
3,45
